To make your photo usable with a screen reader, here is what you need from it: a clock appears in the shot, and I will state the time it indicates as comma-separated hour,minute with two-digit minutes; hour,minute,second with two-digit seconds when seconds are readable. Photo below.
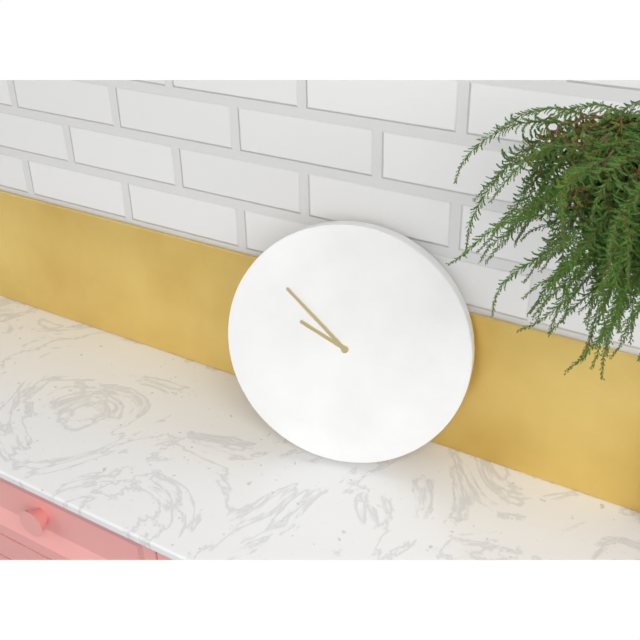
9,52
